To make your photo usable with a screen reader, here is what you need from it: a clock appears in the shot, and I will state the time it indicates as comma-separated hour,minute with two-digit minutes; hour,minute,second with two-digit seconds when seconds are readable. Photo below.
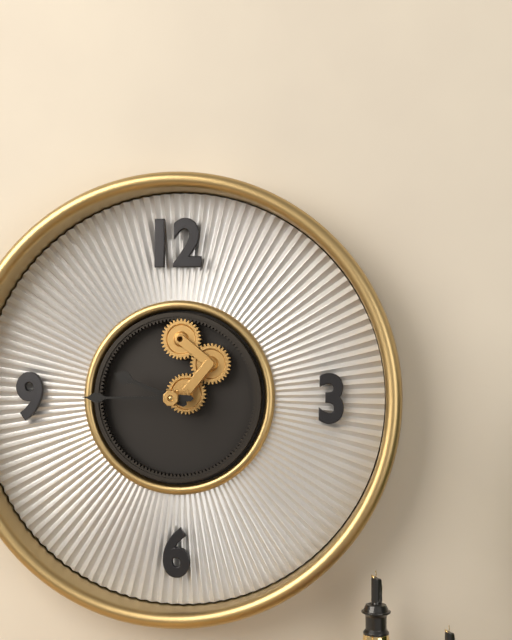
9,45
